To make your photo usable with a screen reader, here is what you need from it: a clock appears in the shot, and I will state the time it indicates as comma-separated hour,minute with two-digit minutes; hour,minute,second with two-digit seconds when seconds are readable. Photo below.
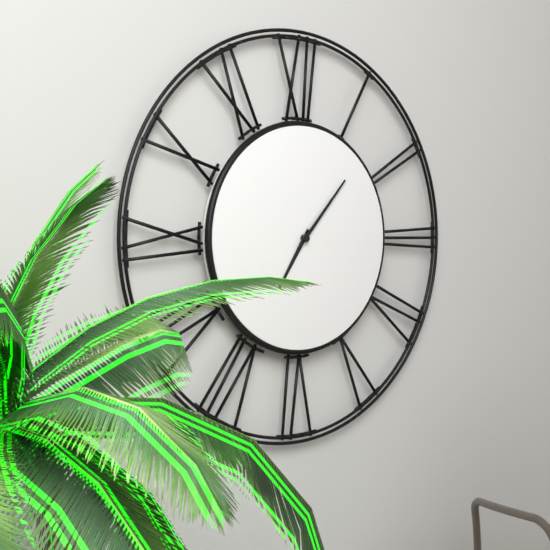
7,07
